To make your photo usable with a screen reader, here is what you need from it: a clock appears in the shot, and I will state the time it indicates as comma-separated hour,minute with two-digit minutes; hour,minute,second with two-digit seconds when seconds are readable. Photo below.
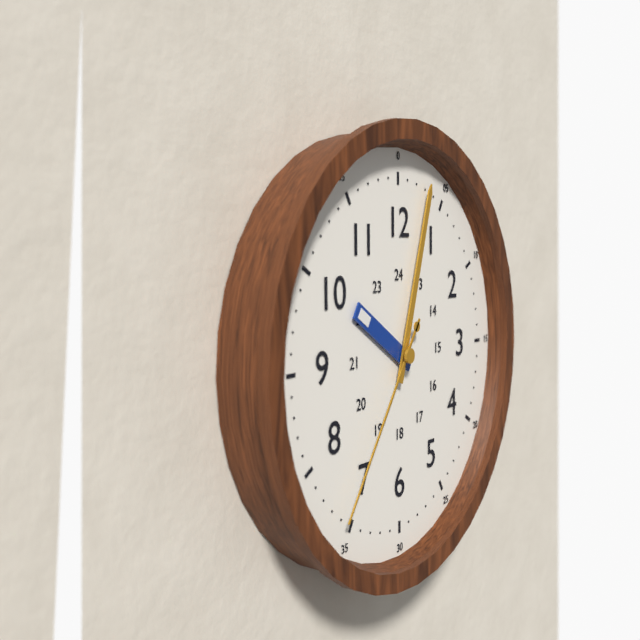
10,03,36
